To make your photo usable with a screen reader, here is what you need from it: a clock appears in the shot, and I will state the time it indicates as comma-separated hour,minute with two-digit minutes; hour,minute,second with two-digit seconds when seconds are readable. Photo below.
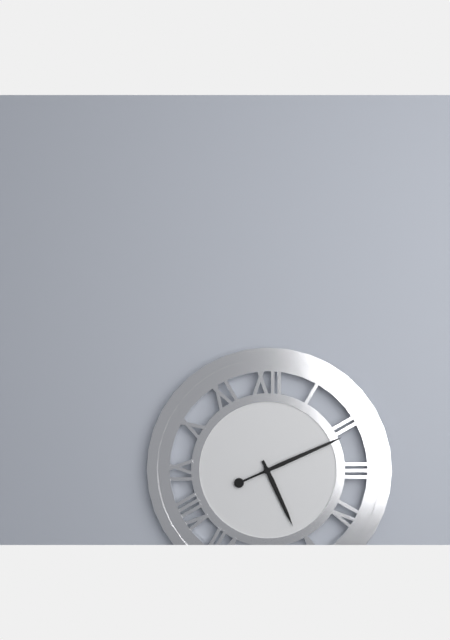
5,11
